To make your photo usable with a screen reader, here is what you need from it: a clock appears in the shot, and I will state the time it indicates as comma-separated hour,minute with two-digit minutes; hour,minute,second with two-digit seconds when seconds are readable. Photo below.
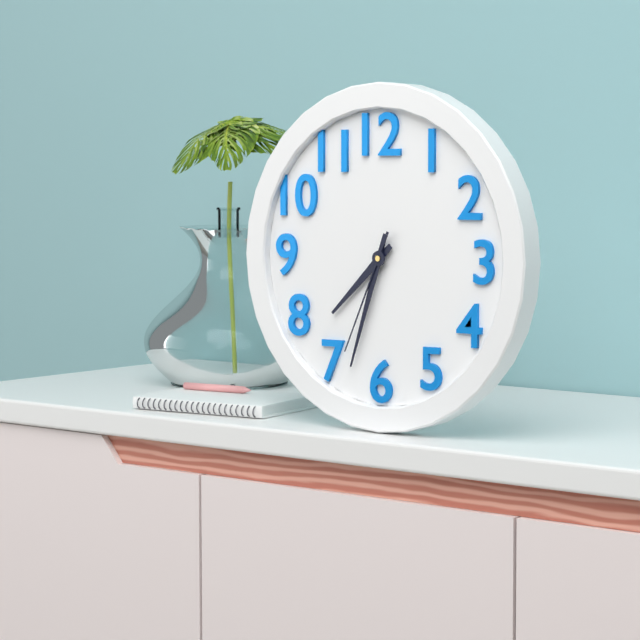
7,33,34
